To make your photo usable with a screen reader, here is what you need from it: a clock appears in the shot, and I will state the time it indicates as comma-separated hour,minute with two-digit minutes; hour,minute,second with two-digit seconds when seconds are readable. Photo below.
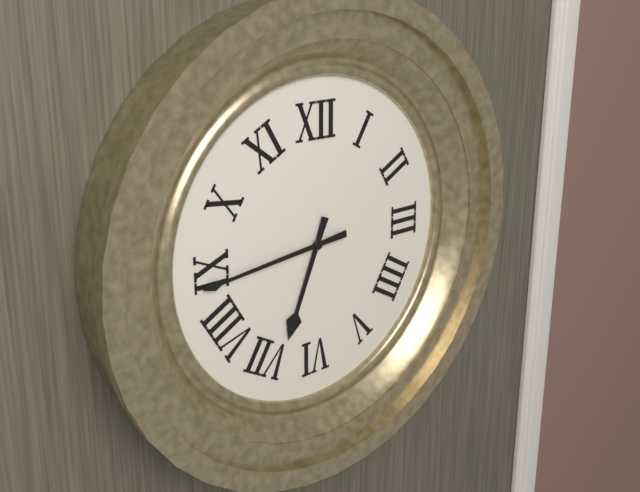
6,44
